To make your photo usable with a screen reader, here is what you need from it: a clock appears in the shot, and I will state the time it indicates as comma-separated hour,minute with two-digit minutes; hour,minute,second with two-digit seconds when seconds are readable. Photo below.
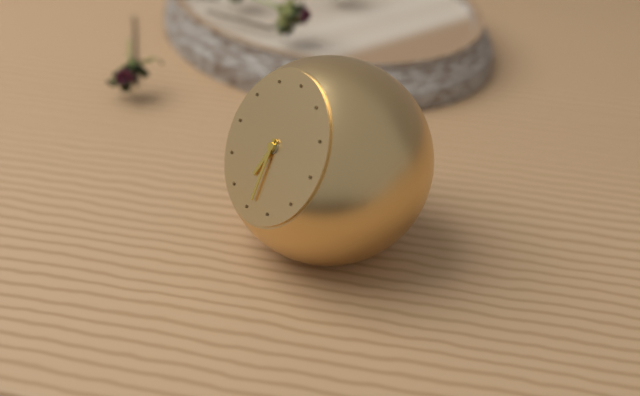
6,29
